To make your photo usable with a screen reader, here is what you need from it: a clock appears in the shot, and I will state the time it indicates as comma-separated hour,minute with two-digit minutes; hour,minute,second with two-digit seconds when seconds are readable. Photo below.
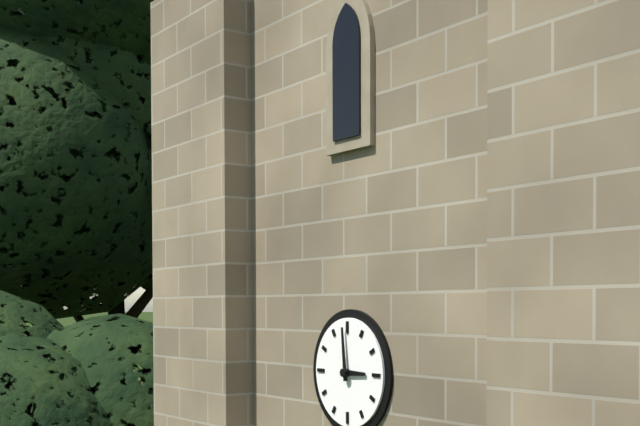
2,59
